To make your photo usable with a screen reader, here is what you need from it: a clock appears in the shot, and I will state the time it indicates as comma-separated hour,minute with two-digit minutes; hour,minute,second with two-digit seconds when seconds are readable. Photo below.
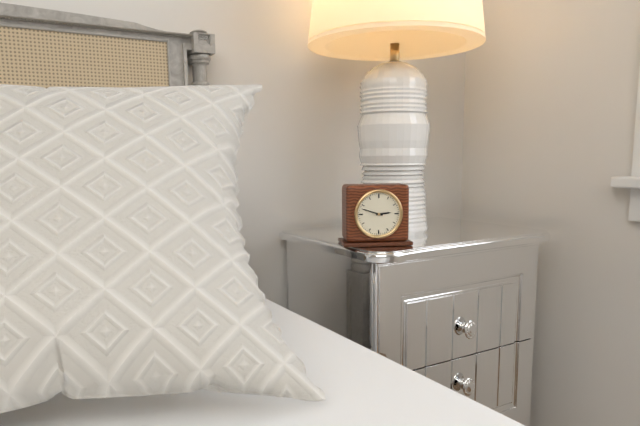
2,48
